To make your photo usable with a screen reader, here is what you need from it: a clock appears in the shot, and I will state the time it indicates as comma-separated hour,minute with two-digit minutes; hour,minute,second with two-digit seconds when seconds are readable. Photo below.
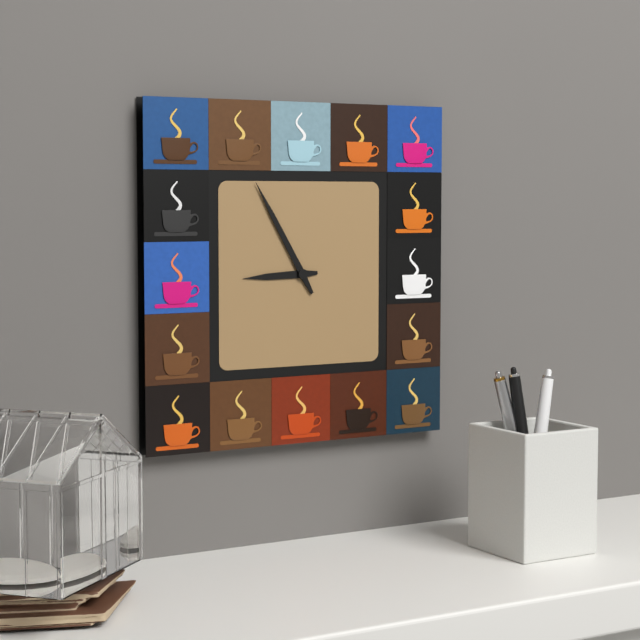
8,55
